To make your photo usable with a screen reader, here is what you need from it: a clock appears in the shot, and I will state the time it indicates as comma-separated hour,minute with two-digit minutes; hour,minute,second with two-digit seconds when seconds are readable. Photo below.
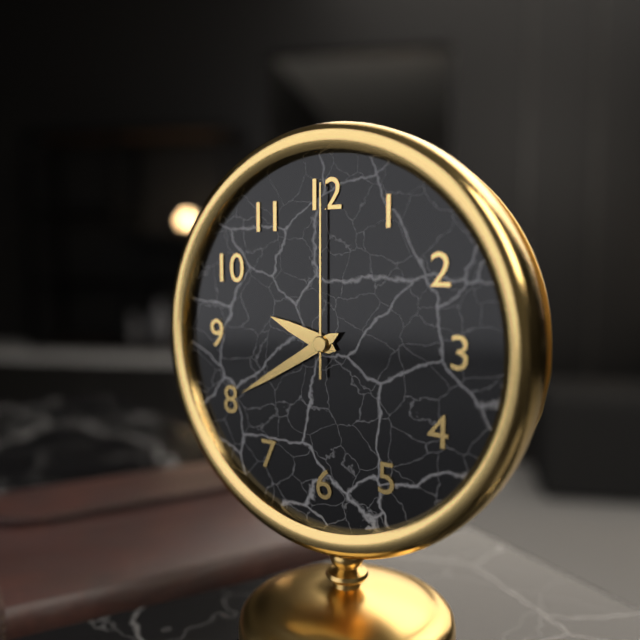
9,40,00
